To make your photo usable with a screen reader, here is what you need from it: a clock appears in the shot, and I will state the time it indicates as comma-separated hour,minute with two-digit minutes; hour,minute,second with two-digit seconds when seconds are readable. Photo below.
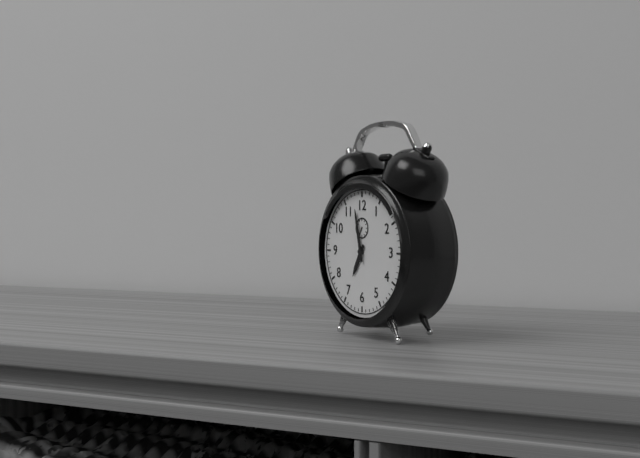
6,58
